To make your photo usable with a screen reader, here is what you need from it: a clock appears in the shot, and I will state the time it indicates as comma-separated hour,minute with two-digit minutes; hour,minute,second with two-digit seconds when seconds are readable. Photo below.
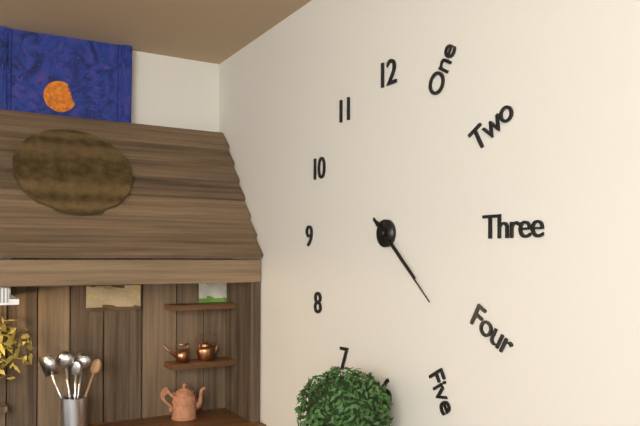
4,22
